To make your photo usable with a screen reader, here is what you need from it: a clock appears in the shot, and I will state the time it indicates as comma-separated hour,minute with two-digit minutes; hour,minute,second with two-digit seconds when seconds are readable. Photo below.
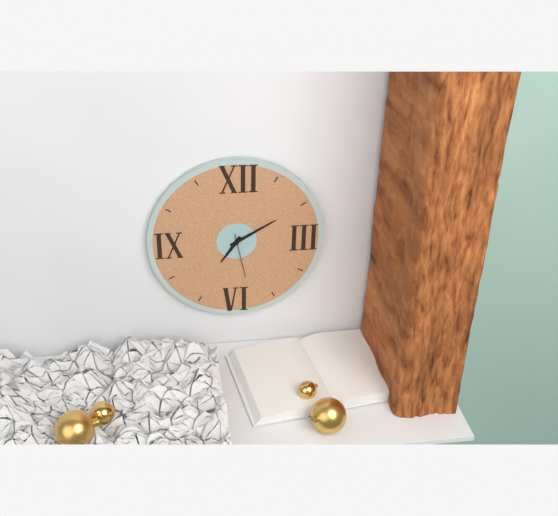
7,10
